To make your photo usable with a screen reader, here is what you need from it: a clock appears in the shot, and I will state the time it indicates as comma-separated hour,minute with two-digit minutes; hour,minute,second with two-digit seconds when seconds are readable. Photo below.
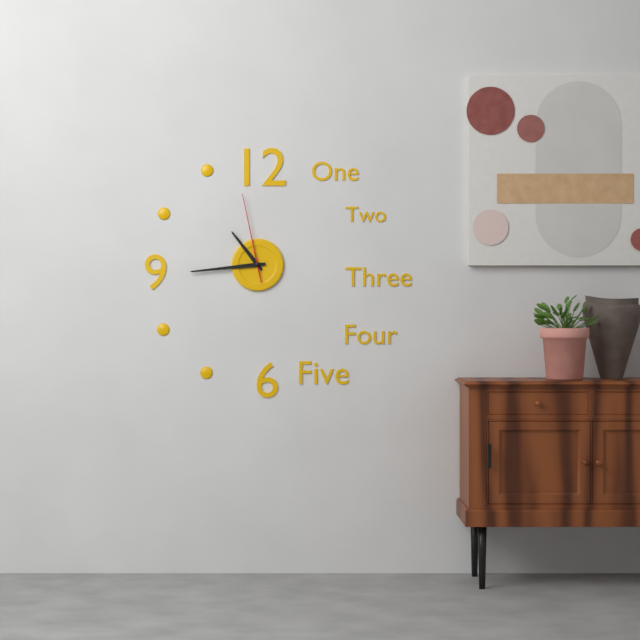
10,44,58
